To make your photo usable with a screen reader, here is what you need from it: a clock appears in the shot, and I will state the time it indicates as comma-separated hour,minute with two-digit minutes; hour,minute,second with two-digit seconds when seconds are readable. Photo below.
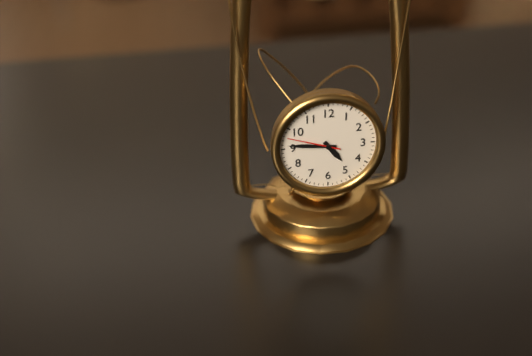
4,46,48
